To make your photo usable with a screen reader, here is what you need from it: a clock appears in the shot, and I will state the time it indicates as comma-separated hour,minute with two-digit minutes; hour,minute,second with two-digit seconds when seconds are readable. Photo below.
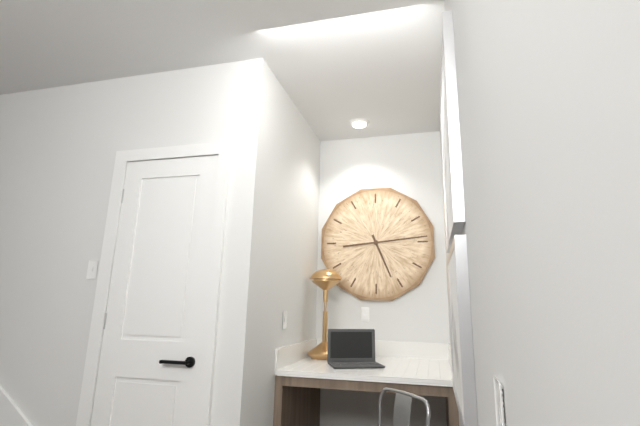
5,14
